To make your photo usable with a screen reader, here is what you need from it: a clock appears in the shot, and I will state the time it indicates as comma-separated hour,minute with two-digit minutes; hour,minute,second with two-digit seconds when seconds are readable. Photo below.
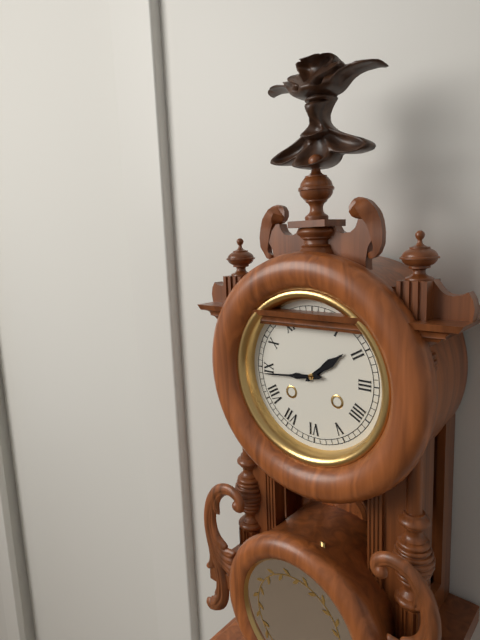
1,44
